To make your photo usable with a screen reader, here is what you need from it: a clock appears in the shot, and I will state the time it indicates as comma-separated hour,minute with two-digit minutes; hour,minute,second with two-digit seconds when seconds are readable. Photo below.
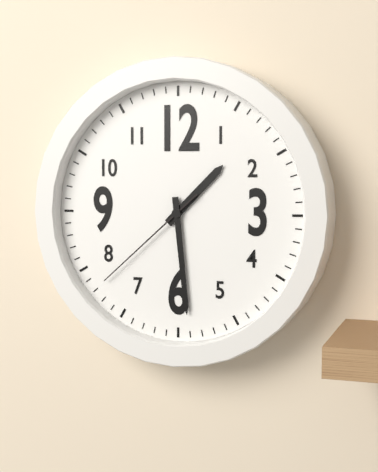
1,29,38
